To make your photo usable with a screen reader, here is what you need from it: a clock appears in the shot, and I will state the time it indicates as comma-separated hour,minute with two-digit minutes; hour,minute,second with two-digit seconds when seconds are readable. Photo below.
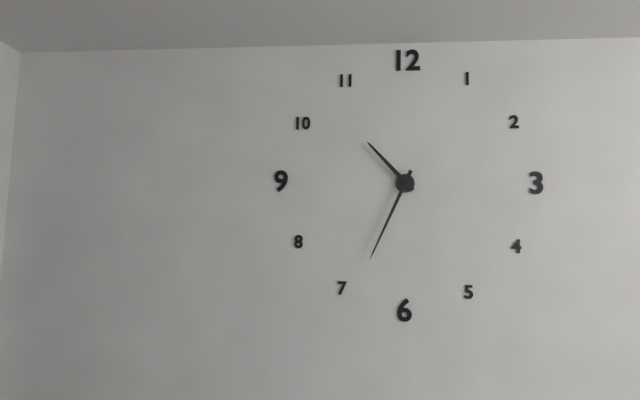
10,34
